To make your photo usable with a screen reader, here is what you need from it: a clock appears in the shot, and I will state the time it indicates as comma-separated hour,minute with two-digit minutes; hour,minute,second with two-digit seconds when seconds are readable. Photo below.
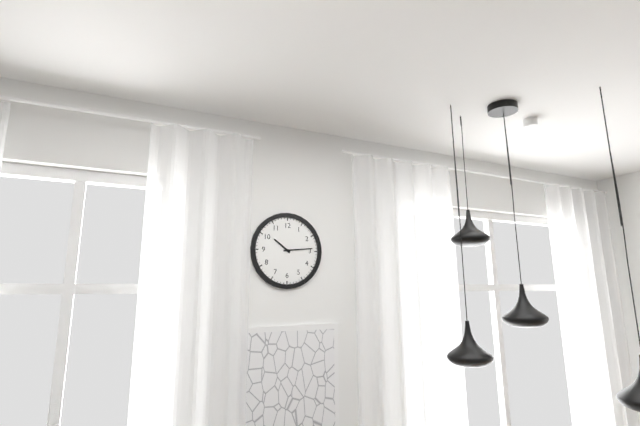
10,14
